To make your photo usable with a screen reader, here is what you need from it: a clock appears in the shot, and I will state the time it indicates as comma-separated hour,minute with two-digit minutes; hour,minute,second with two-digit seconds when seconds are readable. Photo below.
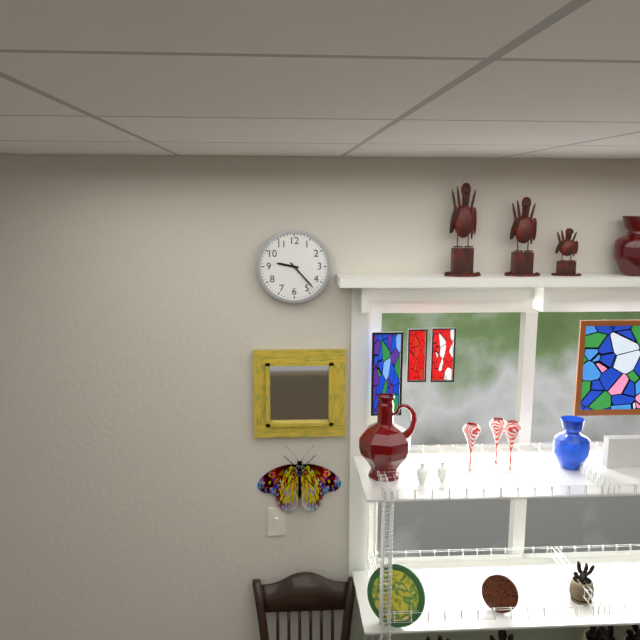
9,23
